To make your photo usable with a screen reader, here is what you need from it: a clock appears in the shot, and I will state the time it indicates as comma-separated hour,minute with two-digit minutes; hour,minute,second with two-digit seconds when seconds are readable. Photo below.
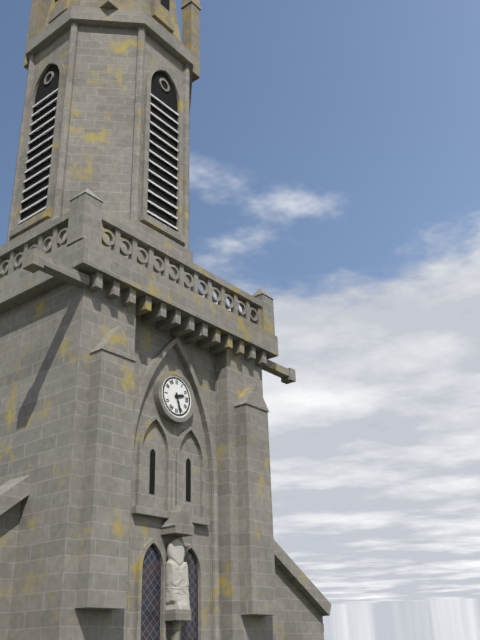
2,27
